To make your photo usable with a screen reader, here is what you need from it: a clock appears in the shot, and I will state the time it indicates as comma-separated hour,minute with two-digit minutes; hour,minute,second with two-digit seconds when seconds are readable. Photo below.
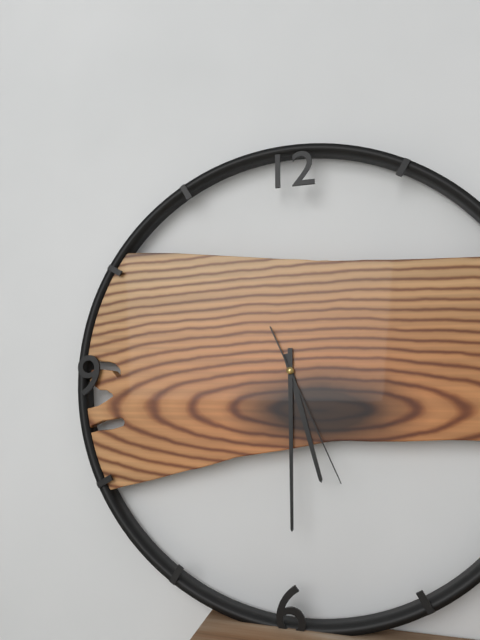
5,30,26
